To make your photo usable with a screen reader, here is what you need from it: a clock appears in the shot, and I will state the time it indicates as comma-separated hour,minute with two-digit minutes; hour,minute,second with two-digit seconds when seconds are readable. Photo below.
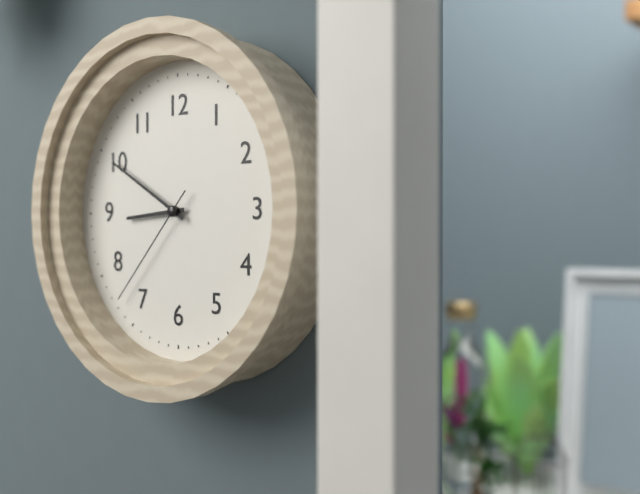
8,50,37
